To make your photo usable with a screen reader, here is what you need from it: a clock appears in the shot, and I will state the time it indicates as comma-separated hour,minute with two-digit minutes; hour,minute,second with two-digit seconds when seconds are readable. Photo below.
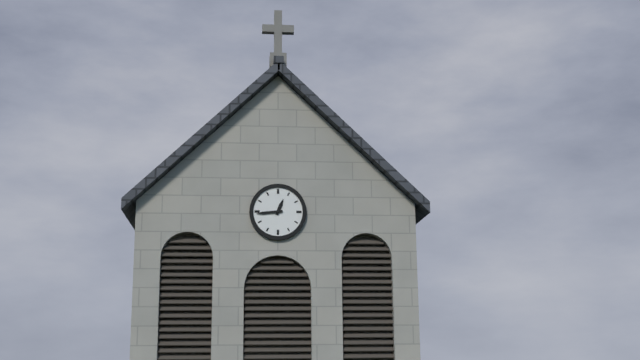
12,44
